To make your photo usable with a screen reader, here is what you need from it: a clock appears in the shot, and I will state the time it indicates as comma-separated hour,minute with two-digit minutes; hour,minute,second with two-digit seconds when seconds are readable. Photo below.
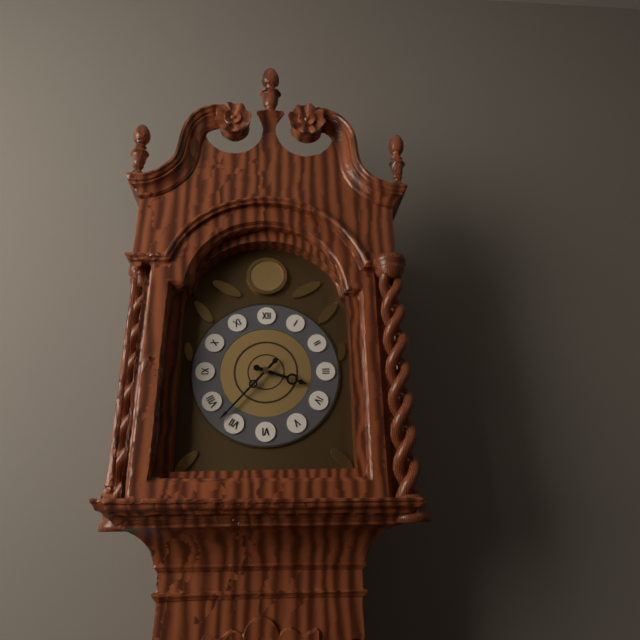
3,37
